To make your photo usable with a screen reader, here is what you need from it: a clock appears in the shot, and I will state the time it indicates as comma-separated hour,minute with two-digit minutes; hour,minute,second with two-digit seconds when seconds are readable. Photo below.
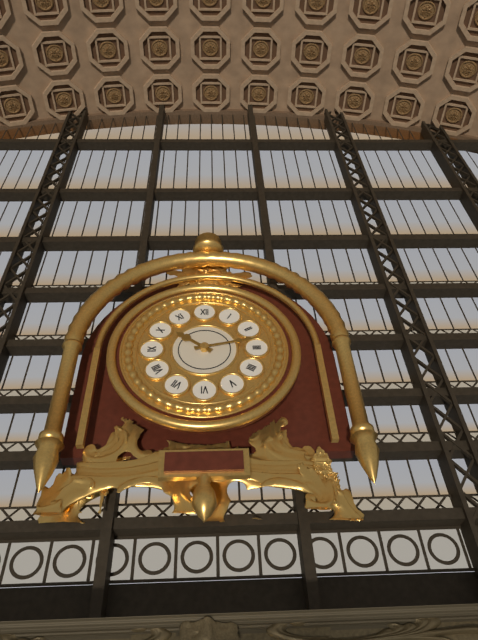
10,13
